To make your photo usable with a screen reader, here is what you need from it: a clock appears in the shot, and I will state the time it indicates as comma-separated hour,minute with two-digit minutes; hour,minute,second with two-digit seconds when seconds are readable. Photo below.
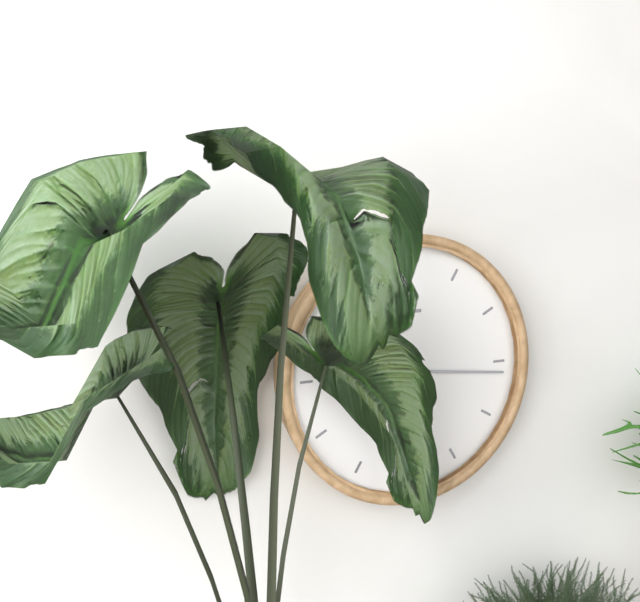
5,16
